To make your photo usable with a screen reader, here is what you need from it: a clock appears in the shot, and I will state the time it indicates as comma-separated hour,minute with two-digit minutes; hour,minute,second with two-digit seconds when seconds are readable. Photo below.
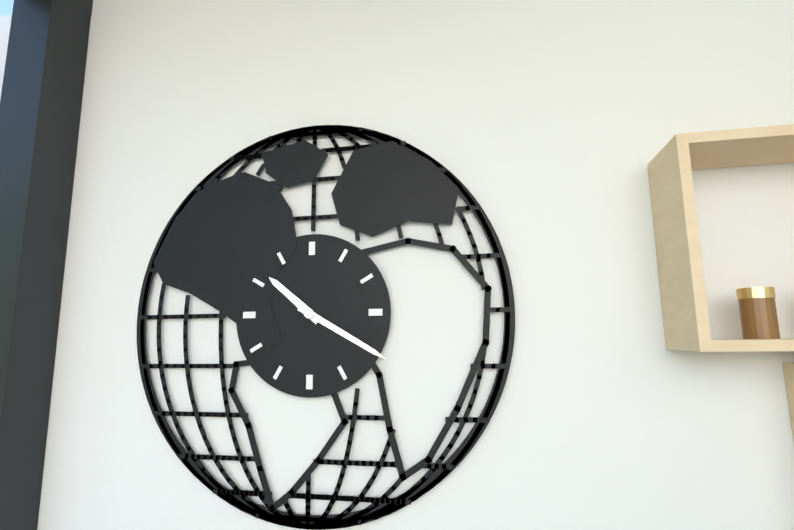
10,20
